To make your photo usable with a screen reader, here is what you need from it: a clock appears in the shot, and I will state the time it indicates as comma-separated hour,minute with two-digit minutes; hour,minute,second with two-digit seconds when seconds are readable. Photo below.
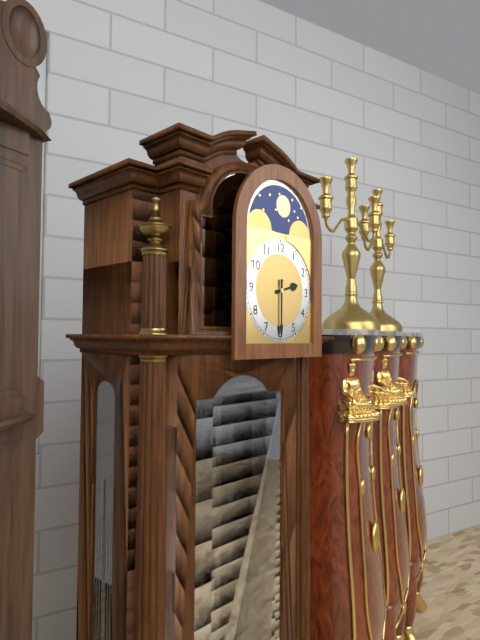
2,30
